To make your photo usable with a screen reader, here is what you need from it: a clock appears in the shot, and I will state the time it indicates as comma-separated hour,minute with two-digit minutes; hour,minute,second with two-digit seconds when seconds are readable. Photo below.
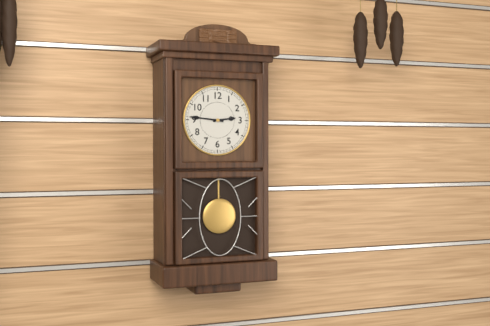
2,46
